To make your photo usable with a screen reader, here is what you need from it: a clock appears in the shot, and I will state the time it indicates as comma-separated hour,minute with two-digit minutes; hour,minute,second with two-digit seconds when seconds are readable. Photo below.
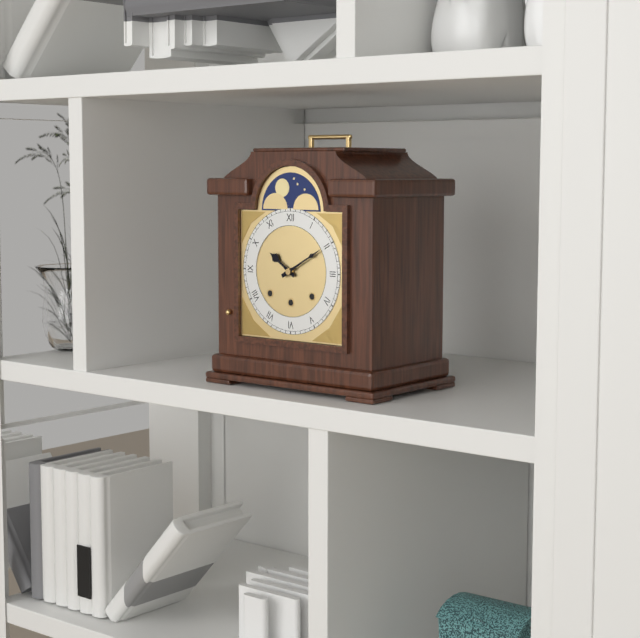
10,10
